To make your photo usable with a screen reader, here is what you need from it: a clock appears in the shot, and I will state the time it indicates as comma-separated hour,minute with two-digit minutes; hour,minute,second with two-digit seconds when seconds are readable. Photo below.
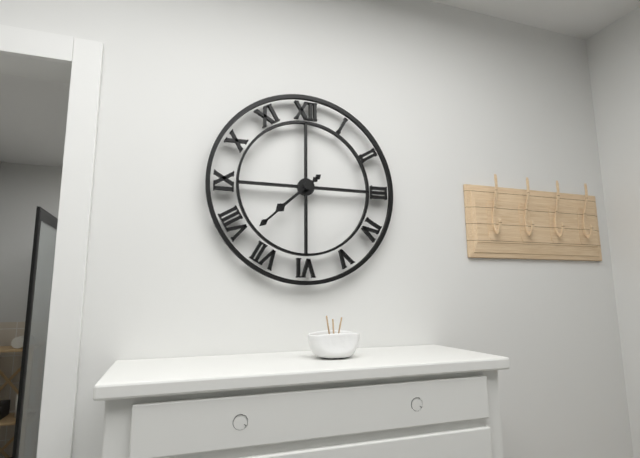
7,38
